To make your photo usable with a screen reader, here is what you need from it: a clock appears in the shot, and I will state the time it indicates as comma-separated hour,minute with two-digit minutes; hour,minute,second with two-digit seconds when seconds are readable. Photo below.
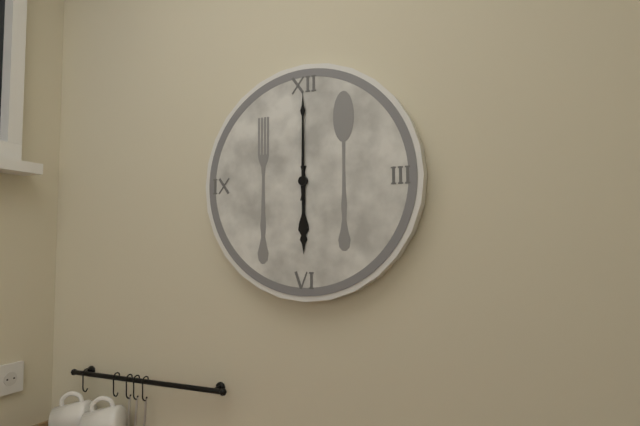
6,00
